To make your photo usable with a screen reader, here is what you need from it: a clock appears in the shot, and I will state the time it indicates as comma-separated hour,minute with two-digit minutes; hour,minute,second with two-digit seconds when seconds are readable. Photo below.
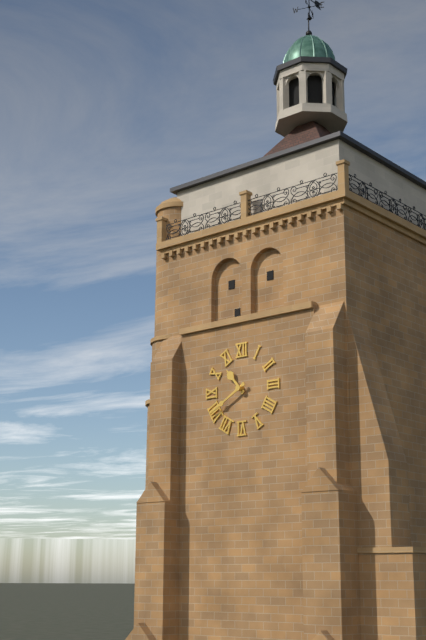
10,40
